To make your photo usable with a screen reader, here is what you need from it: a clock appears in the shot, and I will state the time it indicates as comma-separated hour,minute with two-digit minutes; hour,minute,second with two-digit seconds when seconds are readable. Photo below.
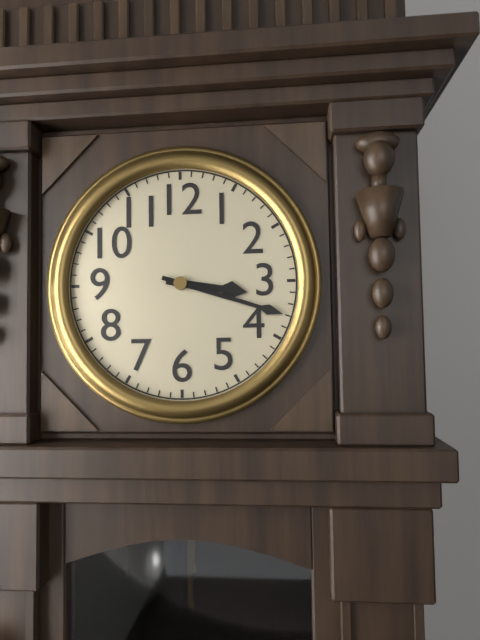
3,18
